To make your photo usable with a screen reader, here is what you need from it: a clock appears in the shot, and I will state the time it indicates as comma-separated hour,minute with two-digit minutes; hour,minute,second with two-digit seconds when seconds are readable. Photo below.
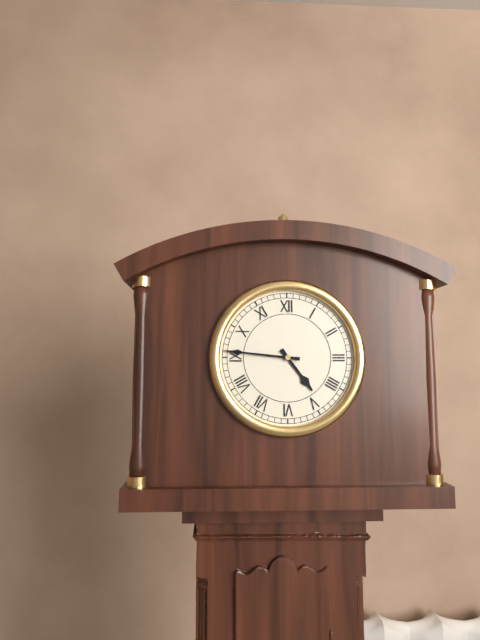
4,46
